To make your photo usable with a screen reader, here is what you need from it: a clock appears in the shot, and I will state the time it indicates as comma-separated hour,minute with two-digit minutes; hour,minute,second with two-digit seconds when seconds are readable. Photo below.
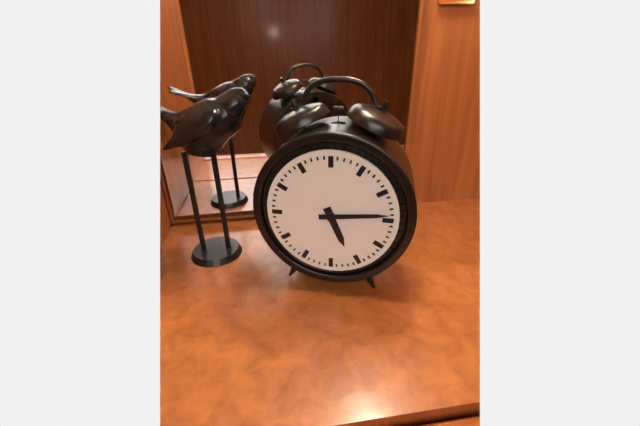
5,14
